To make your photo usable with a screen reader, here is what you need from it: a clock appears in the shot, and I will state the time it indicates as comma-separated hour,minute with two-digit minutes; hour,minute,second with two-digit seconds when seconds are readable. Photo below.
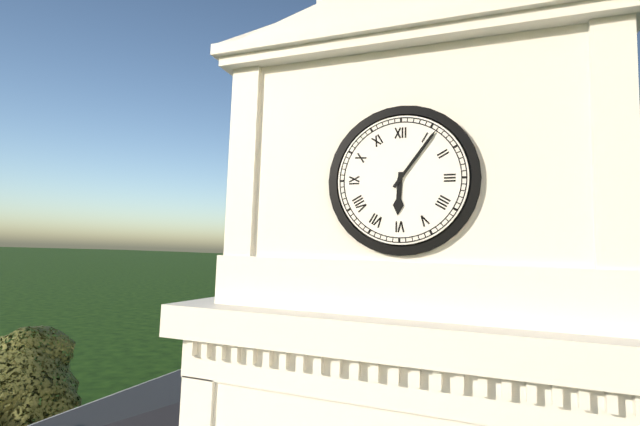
6,06
